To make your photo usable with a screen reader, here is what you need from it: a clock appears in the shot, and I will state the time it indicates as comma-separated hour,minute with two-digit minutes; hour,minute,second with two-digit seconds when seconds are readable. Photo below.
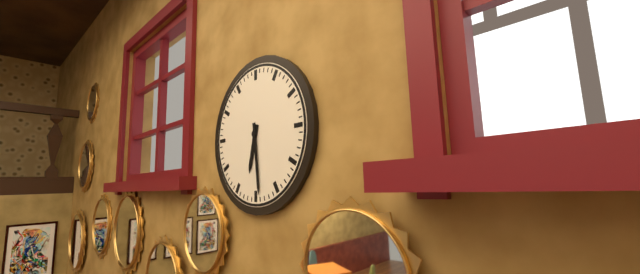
6,29
